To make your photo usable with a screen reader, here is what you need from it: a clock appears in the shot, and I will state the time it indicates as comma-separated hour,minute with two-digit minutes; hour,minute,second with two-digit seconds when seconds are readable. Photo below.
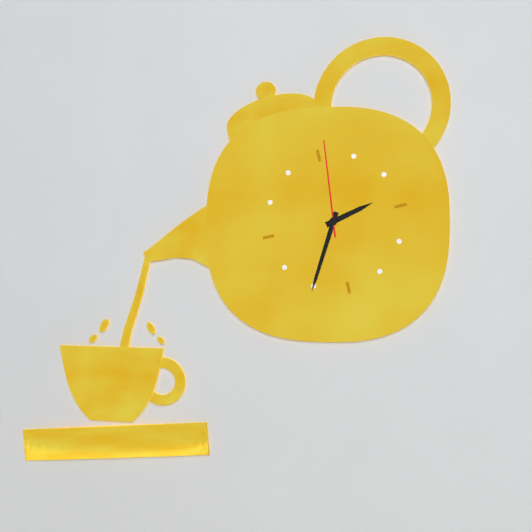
2,35,01
